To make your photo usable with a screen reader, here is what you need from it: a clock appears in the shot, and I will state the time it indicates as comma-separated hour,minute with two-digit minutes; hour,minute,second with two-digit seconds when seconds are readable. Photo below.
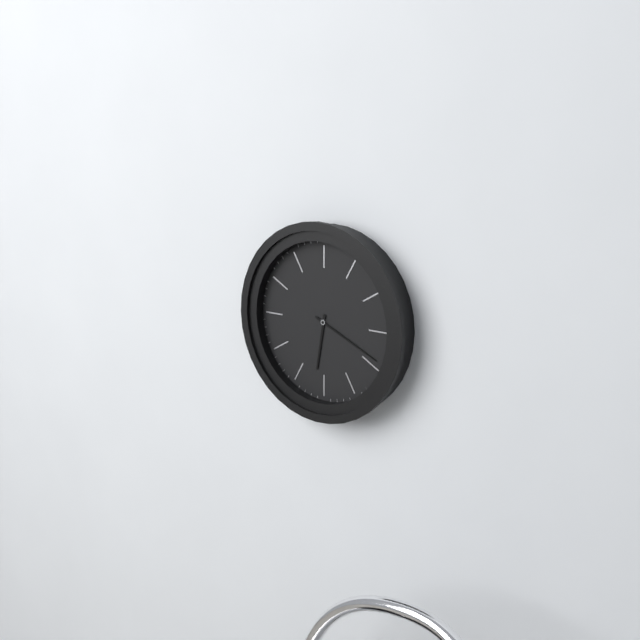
6,19
